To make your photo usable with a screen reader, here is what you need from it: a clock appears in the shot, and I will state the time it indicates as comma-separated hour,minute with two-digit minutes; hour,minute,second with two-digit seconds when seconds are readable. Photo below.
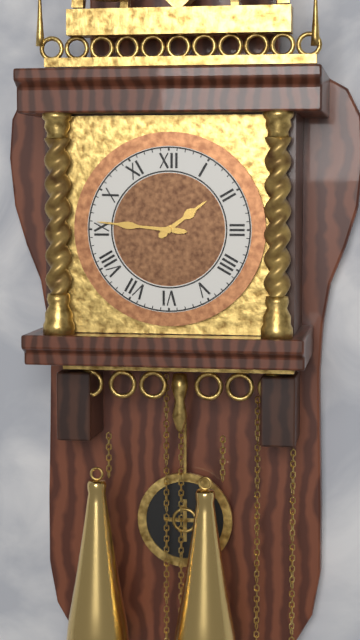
1,46
